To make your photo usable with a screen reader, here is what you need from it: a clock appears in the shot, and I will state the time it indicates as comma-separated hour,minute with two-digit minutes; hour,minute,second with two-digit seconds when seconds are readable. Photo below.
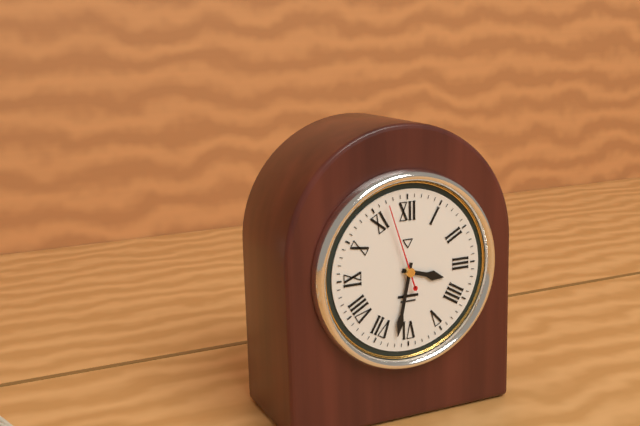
3,32,57
